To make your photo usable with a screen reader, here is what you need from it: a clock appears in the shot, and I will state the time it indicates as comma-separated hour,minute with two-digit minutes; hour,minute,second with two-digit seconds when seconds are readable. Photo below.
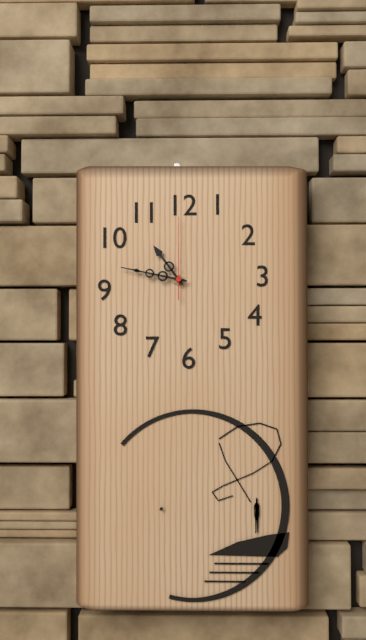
10,47,00
